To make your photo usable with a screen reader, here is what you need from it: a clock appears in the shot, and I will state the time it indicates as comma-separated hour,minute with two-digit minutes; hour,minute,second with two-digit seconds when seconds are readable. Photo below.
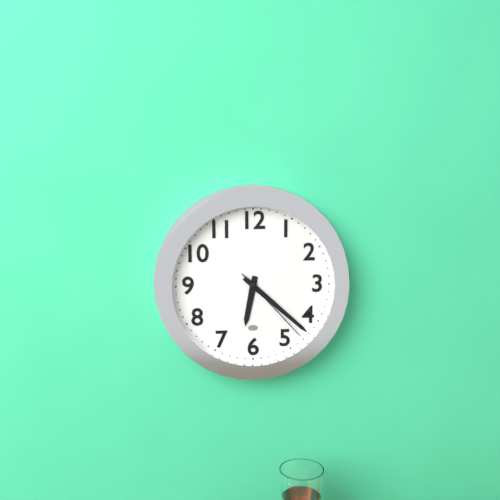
6,22,23
